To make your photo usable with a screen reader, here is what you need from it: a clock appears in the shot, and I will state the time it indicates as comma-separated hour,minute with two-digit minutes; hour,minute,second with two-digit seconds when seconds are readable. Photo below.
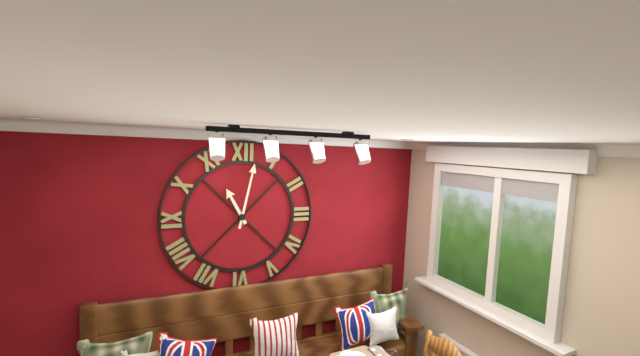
11,02
